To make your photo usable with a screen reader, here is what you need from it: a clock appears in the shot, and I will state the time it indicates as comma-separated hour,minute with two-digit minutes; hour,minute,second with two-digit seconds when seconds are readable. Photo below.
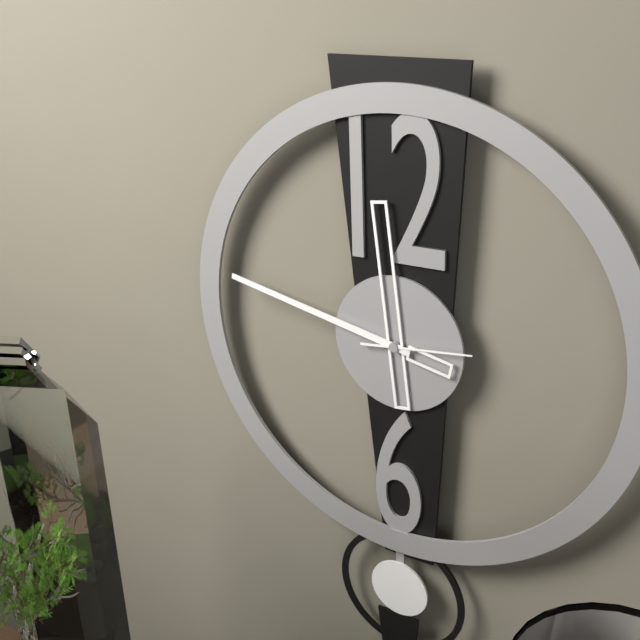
11,47,14
